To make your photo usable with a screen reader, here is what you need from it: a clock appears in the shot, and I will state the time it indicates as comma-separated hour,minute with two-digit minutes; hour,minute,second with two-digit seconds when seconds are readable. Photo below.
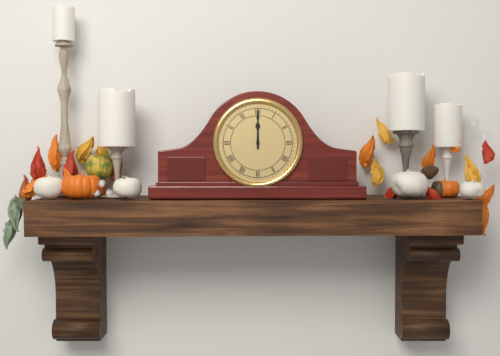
12,00
